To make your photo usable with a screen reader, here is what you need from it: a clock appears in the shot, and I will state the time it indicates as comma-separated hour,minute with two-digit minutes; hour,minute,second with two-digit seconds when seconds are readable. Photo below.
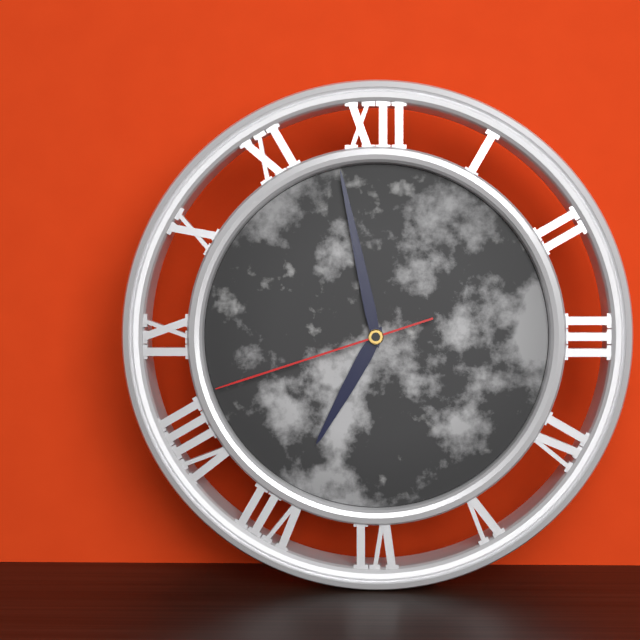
6,58,42
